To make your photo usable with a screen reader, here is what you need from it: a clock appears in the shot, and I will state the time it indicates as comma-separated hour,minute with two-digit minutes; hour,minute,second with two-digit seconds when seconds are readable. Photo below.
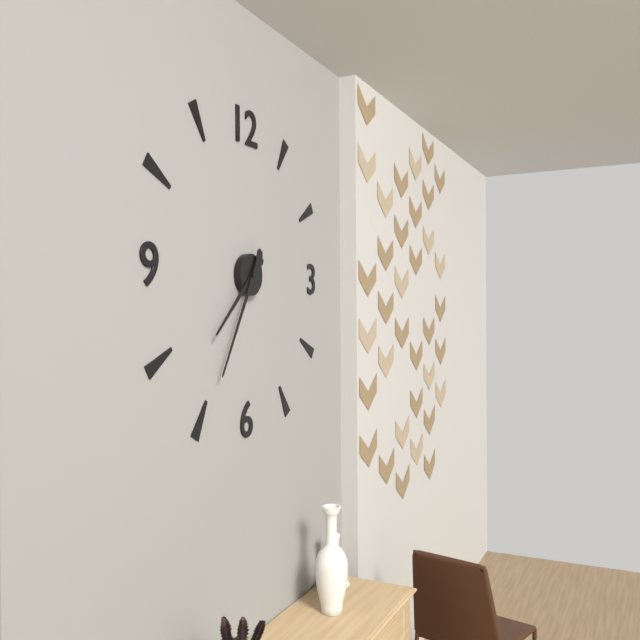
7,35
